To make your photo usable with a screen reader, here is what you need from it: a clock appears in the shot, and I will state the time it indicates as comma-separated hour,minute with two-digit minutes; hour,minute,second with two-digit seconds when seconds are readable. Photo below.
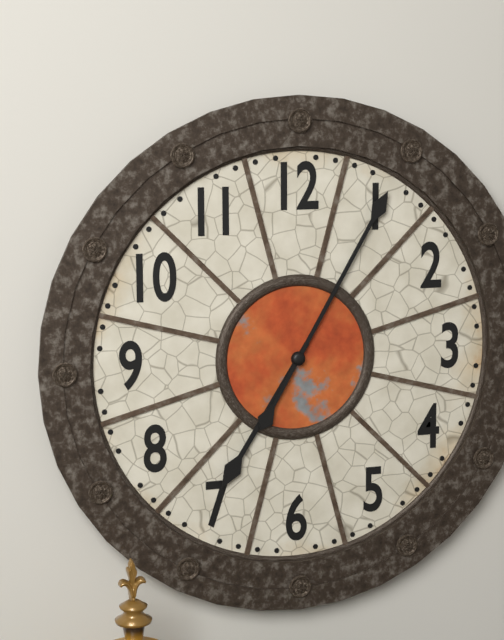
7,05
